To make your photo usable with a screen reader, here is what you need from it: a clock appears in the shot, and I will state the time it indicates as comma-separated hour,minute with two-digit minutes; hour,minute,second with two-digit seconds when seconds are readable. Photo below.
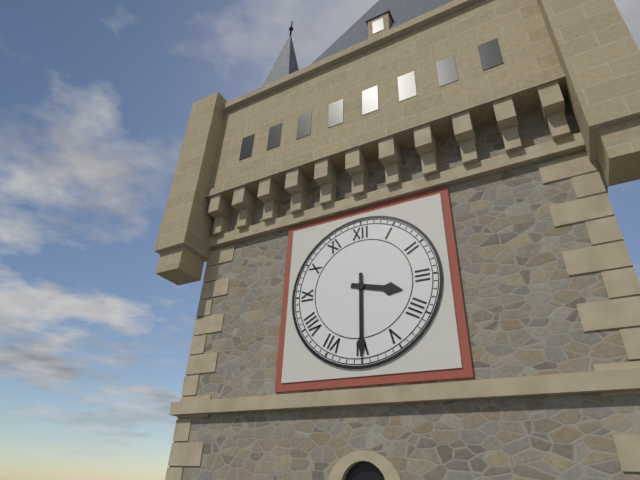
3,30
